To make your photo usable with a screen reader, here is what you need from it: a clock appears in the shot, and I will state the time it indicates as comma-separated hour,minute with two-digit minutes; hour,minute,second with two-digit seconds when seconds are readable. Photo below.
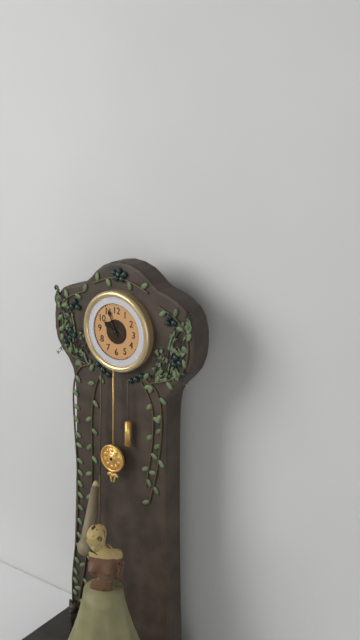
9,56
